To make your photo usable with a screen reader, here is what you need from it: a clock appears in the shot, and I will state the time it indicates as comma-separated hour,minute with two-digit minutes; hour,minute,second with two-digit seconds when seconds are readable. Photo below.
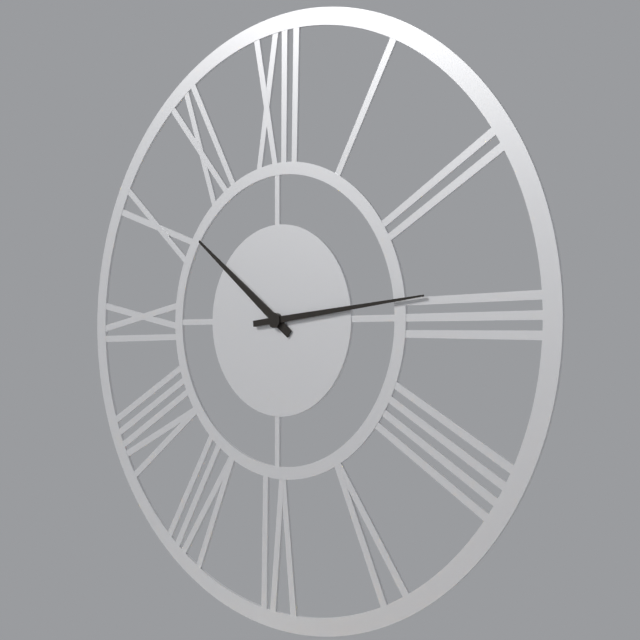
10,14
